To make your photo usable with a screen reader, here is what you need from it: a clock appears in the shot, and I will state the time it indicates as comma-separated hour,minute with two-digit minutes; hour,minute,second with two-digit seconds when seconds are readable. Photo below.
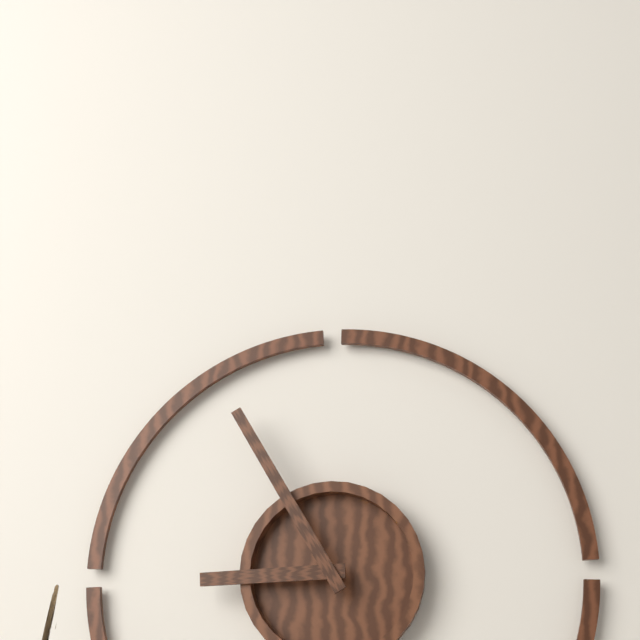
8,55
